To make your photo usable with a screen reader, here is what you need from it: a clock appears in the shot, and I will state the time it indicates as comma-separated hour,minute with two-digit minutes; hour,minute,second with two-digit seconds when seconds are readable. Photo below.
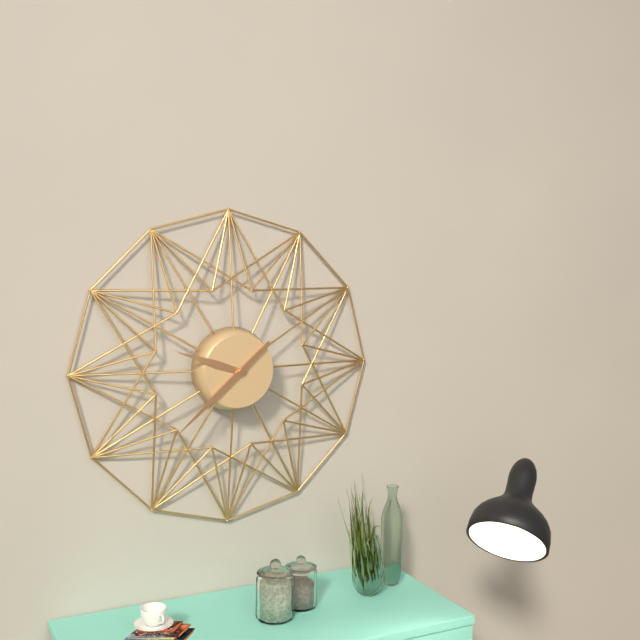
9,38
